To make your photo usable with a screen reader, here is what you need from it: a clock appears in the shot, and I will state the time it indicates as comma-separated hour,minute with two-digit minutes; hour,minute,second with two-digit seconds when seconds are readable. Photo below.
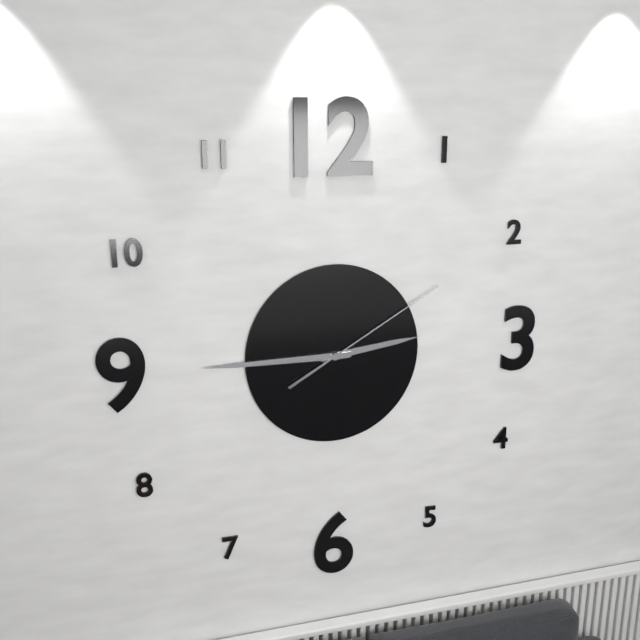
2,45,10
